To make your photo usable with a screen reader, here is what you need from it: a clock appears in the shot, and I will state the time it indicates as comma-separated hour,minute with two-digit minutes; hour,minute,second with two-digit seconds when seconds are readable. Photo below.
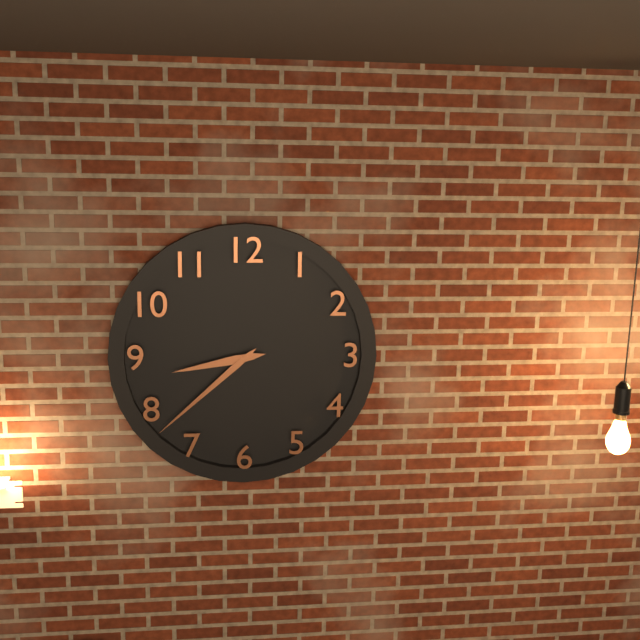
8,38
